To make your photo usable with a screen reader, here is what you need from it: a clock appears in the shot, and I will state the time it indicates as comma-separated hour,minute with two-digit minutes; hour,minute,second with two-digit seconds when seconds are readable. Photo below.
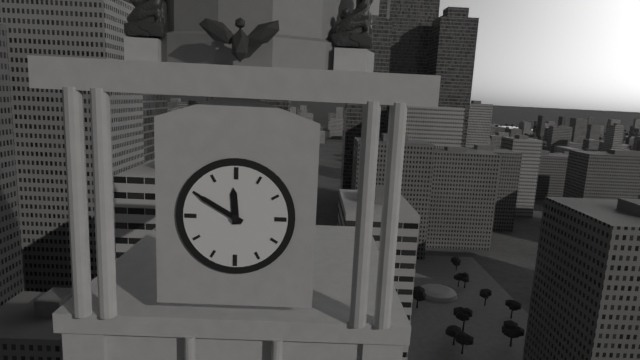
11,50
